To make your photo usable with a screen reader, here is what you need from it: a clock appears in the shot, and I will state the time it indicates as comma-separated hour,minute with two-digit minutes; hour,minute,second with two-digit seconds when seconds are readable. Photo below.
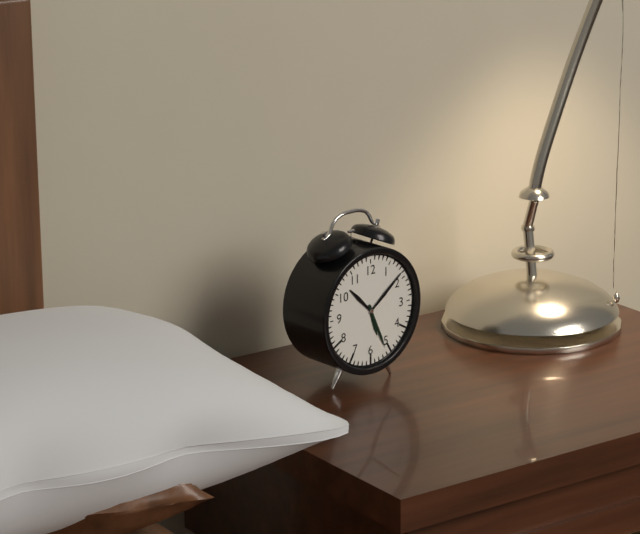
5,26
